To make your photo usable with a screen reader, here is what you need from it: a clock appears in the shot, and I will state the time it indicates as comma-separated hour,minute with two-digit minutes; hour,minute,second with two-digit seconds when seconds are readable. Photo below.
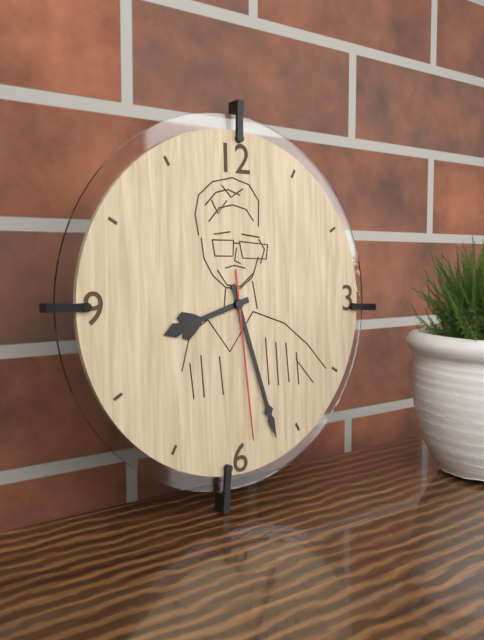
8,27,29
